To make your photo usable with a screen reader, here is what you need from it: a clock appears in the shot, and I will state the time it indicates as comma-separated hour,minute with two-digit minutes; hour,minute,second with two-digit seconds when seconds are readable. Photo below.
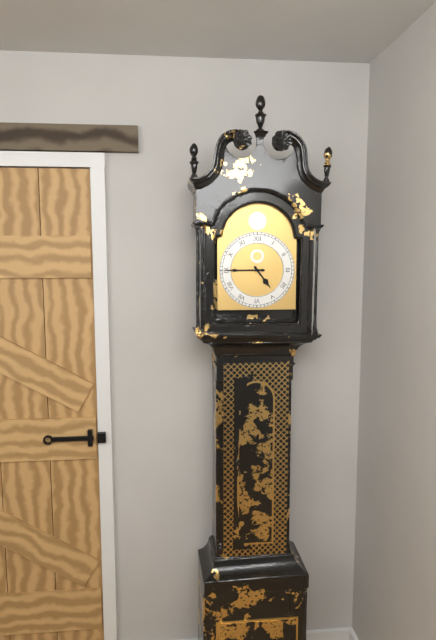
4,45
